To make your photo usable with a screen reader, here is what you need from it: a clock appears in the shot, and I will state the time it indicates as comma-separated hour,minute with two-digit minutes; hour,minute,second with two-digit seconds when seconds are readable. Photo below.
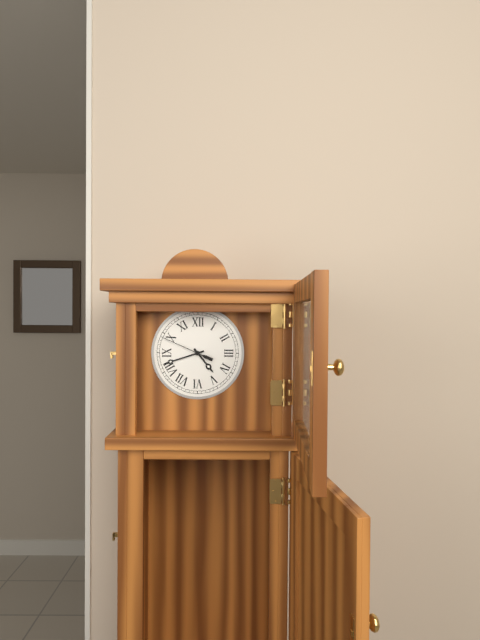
4,42
